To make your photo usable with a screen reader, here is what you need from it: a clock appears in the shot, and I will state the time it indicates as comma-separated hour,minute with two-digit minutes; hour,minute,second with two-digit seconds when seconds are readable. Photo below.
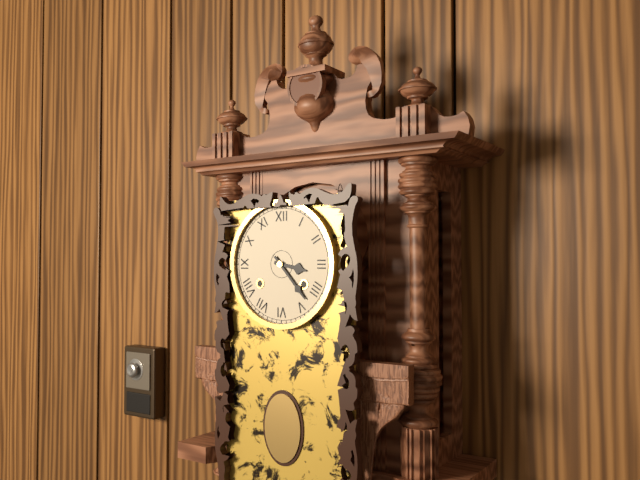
3,23
